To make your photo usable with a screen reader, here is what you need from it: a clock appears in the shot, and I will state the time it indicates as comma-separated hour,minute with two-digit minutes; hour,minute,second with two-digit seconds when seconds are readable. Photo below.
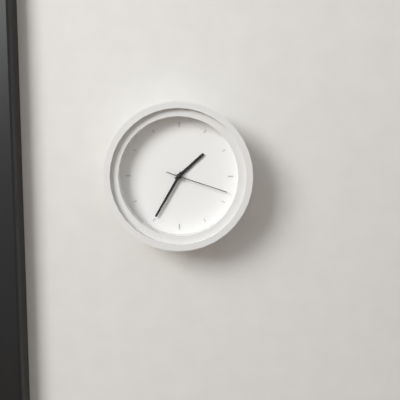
1,35,18
